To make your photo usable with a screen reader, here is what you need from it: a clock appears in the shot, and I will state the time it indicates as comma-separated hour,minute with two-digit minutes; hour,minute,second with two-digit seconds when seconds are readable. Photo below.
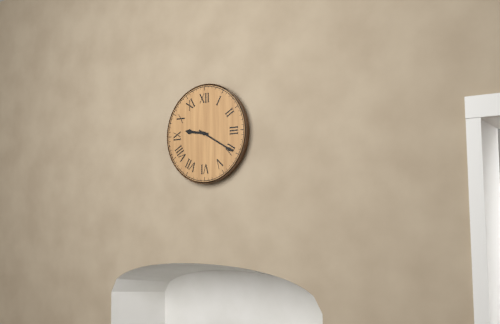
9,20
